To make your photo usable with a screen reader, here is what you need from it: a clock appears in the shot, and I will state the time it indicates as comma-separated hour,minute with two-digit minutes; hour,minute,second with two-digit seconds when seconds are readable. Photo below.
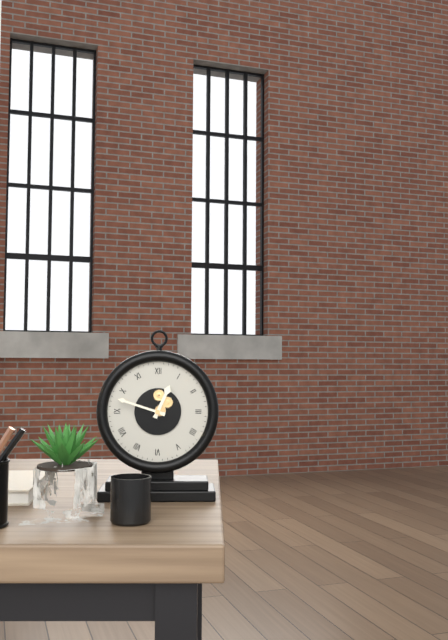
12,48
